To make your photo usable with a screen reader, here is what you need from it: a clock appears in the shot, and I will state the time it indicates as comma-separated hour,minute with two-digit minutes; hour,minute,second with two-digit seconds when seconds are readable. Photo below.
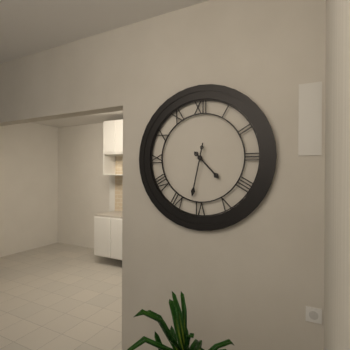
4,32
